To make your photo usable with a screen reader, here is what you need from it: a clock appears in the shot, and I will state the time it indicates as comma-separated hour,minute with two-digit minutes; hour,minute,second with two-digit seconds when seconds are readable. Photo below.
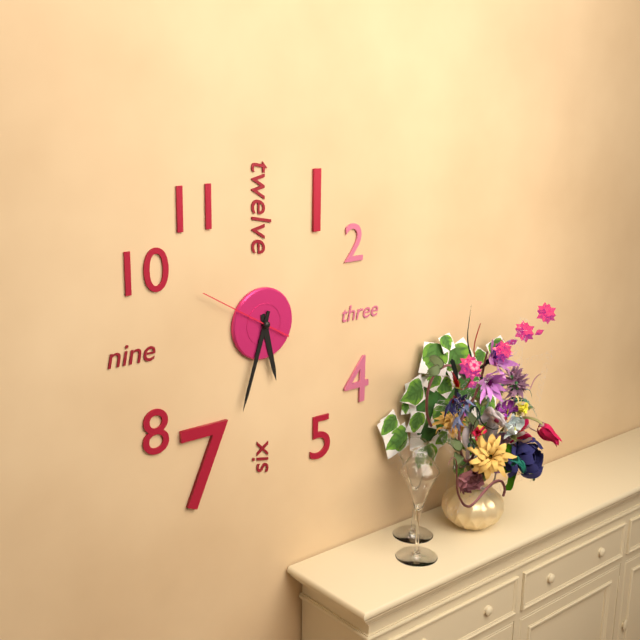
5,33,50
